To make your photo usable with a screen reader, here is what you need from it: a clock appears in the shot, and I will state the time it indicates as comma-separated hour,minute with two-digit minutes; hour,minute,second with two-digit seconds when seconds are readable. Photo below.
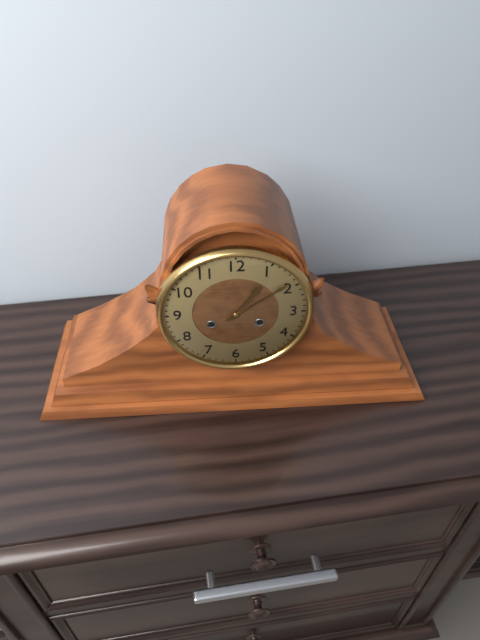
1,09
